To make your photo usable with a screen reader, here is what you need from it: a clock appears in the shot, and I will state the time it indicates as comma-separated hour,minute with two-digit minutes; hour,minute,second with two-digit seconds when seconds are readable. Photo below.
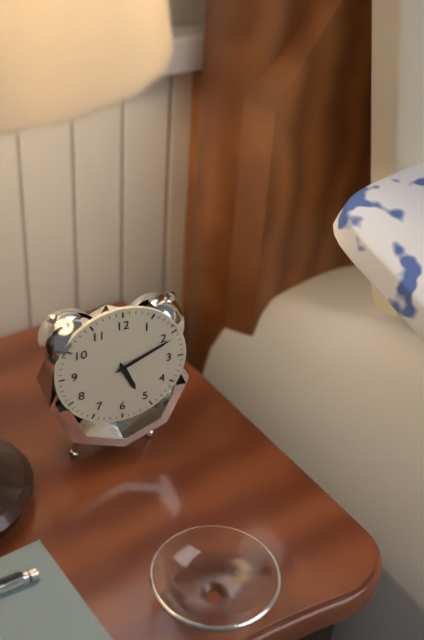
5,11
